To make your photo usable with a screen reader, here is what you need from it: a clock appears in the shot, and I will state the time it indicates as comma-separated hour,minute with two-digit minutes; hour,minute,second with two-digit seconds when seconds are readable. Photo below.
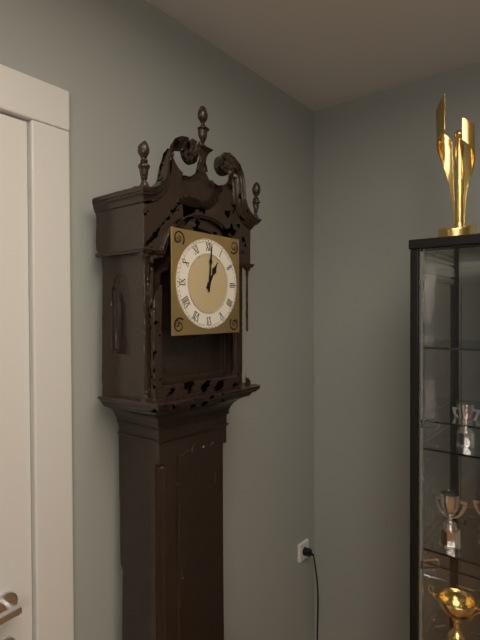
1,01
